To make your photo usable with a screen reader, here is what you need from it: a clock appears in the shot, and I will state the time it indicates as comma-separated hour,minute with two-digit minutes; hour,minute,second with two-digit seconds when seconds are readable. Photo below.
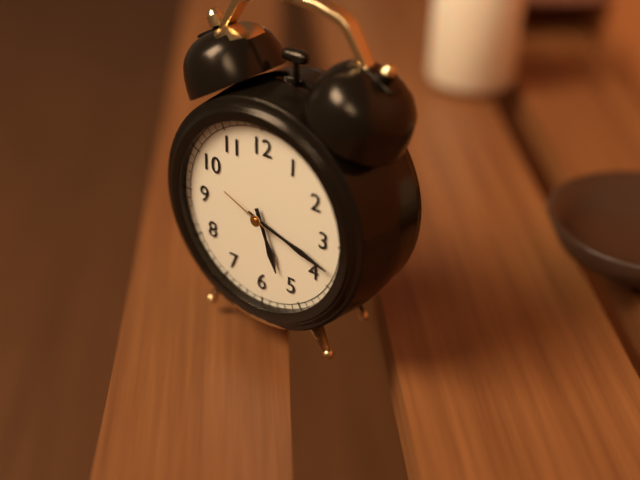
5,18,49
